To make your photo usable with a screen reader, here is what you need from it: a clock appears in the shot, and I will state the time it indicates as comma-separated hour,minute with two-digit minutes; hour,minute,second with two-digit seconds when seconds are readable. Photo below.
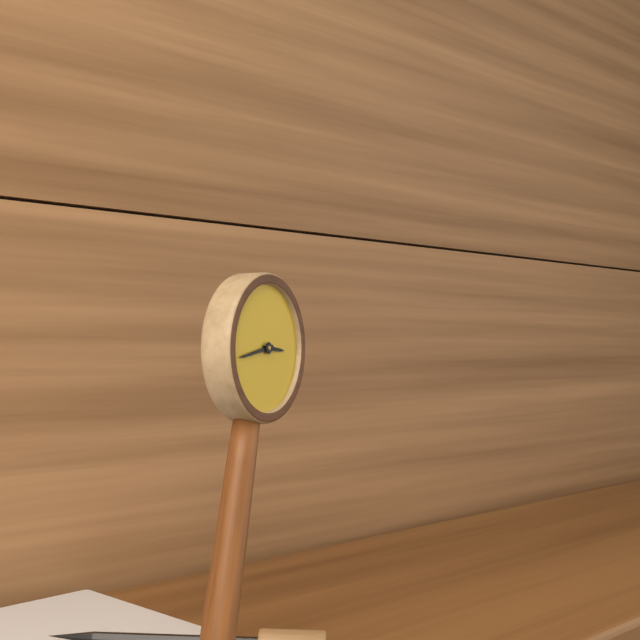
2,41
